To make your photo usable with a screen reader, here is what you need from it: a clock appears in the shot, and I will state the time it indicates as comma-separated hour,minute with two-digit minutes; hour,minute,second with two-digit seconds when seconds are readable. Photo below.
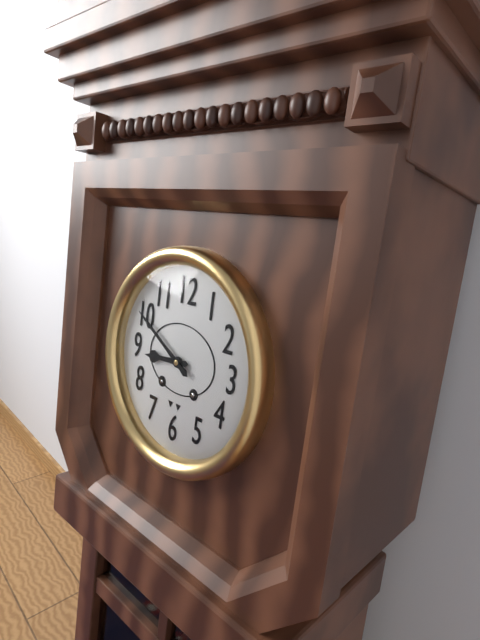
8,50
